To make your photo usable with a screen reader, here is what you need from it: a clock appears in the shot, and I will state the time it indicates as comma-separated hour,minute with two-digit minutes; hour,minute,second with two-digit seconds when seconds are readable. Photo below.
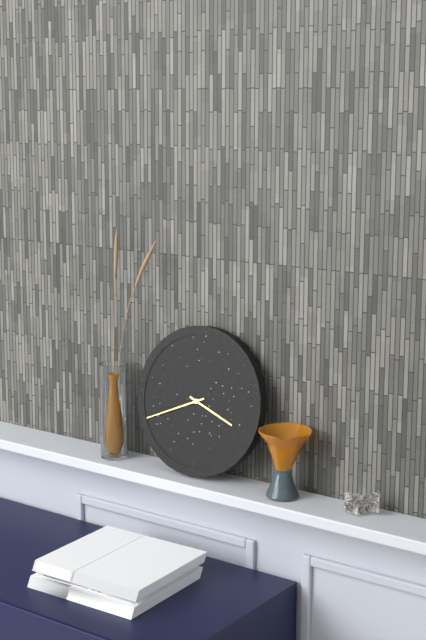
3,41
